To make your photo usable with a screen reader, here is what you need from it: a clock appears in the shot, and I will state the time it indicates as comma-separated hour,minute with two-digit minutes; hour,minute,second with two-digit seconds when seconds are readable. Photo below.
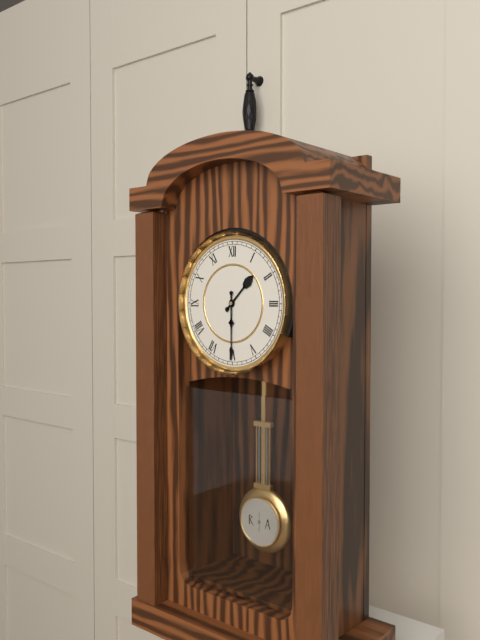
1,30
